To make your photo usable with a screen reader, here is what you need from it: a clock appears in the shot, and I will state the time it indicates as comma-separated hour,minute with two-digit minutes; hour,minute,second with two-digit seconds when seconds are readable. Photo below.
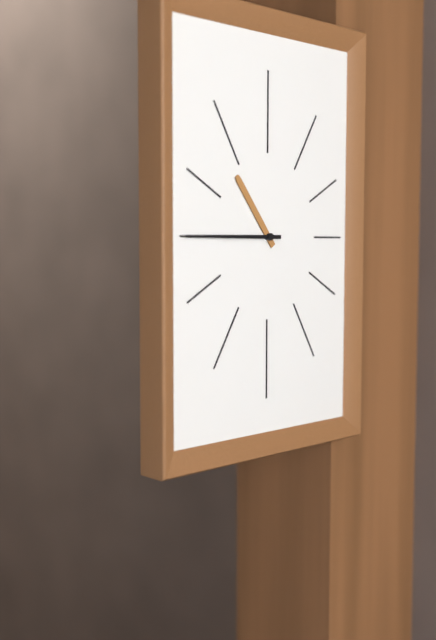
10,45
